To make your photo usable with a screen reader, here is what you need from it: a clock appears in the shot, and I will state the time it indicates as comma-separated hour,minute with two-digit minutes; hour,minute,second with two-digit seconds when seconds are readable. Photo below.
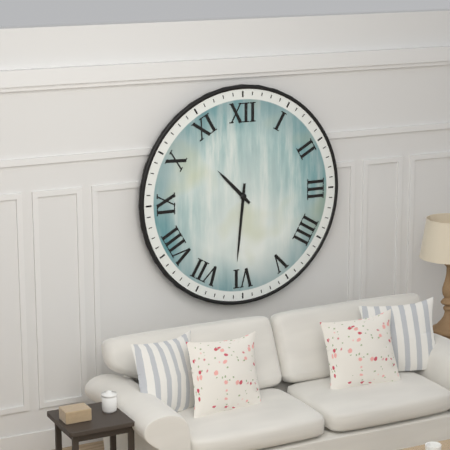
10,31
